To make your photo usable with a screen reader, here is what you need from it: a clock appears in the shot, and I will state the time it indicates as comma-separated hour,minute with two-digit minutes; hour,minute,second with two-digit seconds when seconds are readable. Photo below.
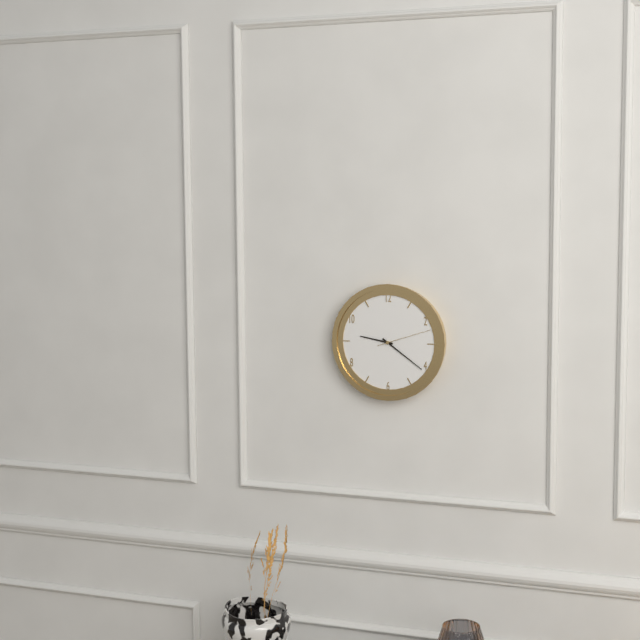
9,21,12
